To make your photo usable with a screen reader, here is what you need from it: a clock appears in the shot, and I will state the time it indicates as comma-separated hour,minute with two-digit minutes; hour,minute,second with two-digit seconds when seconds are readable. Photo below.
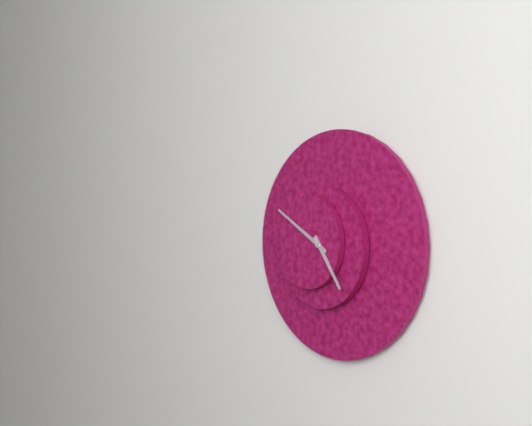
4,50
